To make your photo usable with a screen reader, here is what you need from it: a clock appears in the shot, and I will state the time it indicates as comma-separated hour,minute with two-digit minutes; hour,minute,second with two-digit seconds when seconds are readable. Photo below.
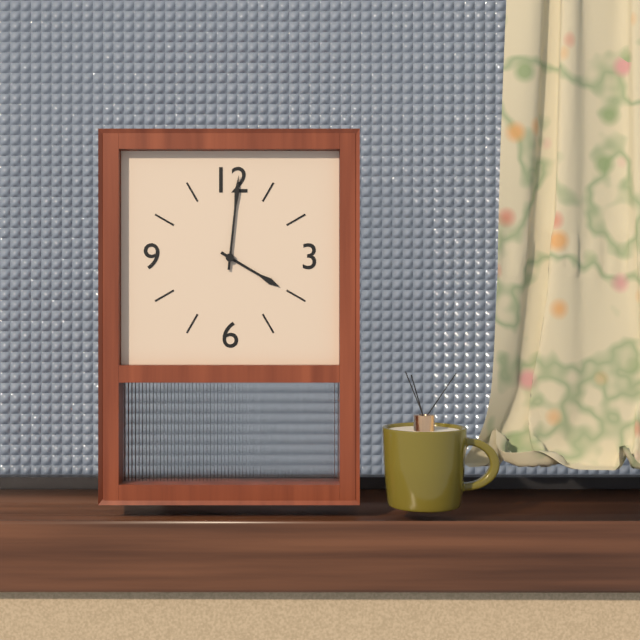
4,01
